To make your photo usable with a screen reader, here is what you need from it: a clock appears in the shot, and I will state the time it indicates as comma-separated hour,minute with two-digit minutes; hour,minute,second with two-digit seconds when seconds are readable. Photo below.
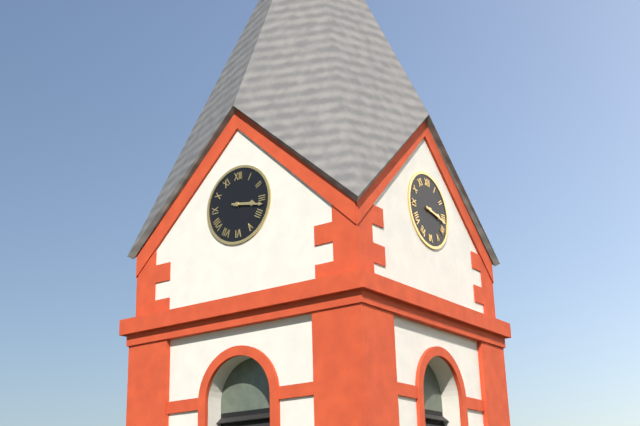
3,17
